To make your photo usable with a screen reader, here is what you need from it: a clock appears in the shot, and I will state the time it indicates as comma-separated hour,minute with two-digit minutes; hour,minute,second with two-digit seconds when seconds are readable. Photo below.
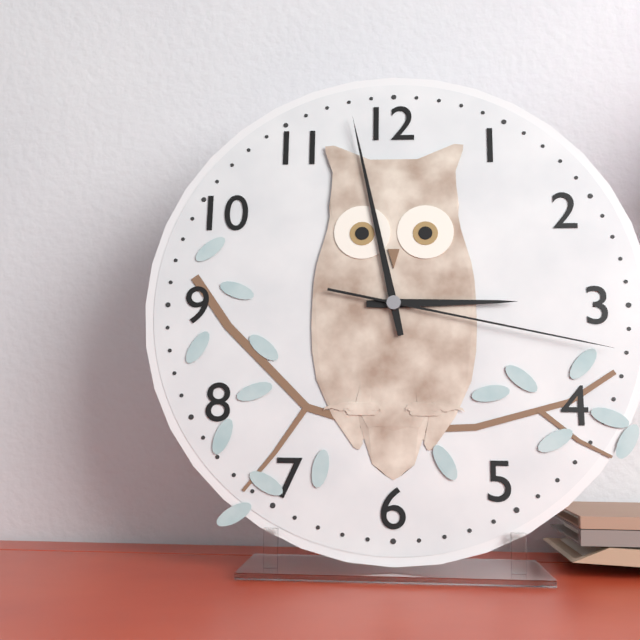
2,58,17
